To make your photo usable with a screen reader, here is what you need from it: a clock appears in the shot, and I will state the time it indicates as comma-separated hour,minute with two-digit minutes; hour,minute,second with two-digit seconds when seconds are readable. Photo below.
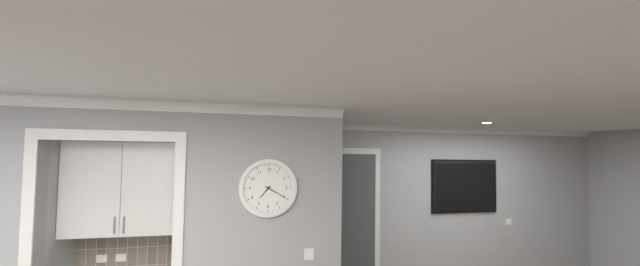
7,20
